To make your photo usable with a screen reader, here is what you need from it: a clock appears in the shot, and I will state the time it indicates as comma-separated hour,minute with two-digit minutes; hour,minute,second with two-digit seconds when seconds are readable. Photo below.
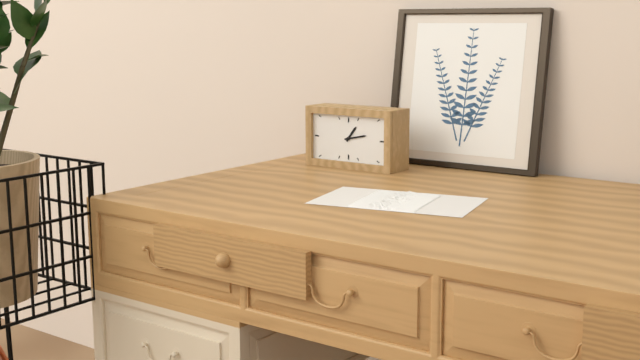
1,13
